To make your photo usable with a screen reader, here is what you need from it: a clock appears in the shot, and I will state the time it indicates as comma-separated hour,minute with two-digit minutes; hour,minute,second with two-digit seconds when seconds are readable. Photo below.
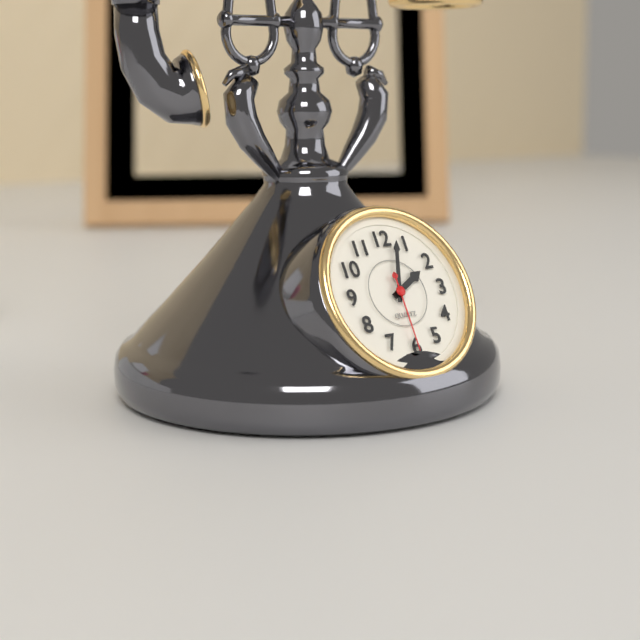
2,03,30
